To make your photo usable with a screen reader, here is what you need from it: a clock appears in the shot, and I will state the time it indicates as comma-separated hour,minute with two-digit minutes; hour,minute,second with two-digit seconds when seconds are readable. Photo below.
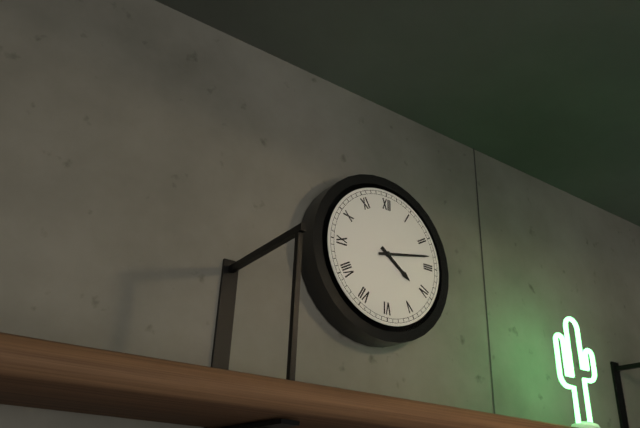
4,13
